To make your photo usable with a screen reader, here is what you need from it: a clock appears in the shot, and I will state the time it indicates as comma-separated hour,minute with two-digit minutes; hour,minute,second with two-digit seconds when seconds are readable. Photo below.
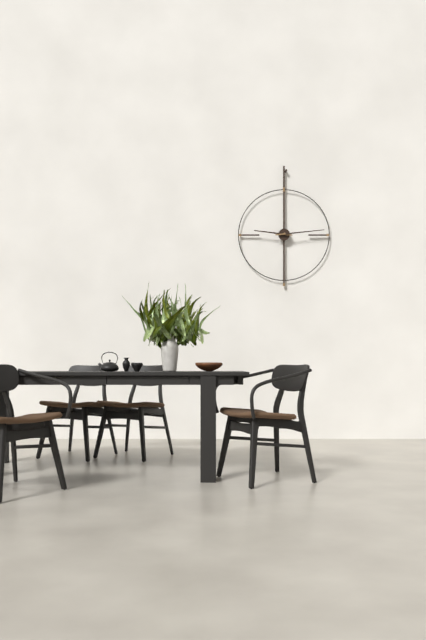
9,14
